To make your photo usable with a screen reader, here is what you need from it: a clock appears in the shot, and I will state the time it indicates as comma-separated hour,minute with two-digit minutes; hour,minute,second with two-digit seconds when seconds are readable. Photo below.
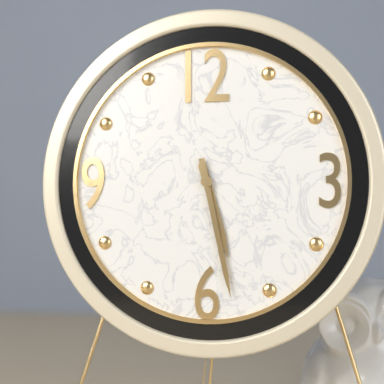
5,28
